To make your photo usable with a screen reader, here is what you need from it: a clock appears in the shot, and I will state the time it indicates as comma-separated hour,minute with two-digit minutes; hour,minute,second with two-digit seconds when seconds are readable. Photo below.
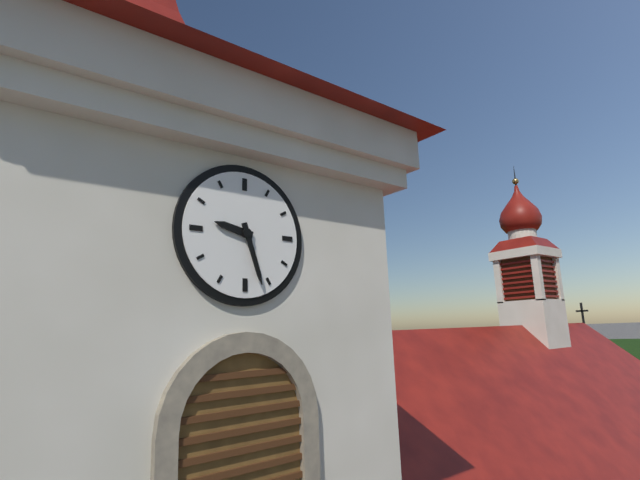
9,27
